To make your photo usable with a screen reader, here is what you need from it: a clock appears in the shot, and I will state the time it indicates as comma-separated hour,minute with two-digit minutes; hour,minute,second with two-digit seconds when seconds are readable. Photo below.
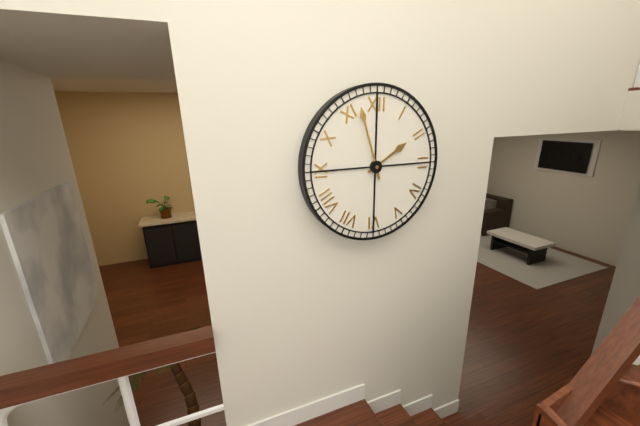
1,57
